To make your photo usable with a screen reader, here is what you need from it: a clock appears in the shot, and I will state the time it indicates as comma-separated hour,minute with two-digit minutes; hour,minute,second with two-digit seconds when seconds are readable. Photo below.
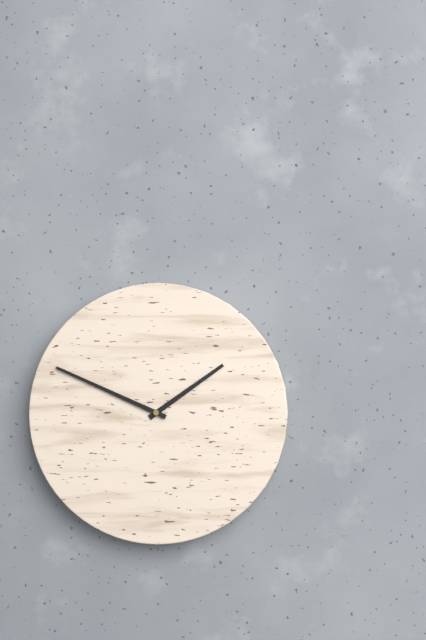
1,49
